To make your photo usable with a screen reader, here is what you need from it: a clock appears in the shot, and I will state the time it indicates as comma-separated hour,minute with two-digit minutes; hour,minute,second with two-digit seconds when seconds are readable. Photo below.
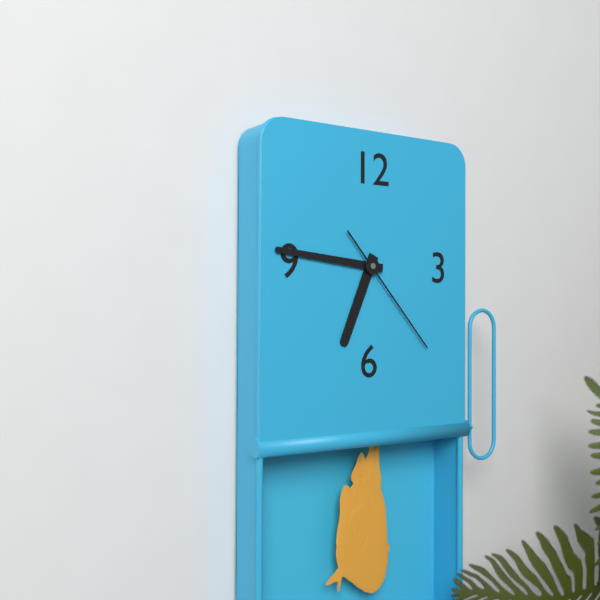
6,46,23
